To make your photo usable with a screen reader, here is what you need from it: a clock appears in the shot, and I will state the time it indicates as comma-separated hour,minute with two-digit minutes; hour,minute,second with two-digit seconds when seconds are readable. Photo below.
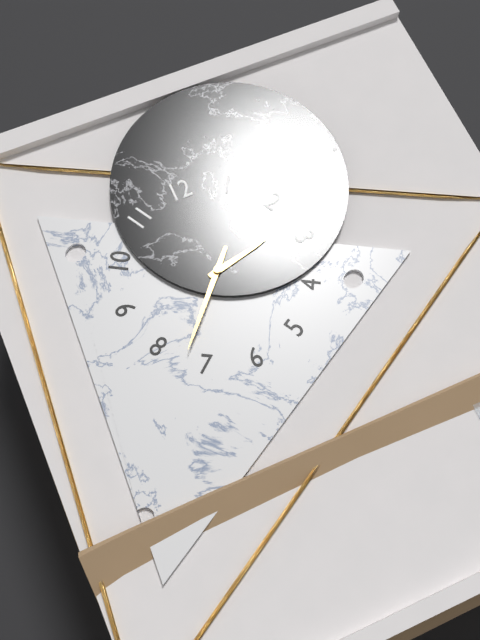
2,37
